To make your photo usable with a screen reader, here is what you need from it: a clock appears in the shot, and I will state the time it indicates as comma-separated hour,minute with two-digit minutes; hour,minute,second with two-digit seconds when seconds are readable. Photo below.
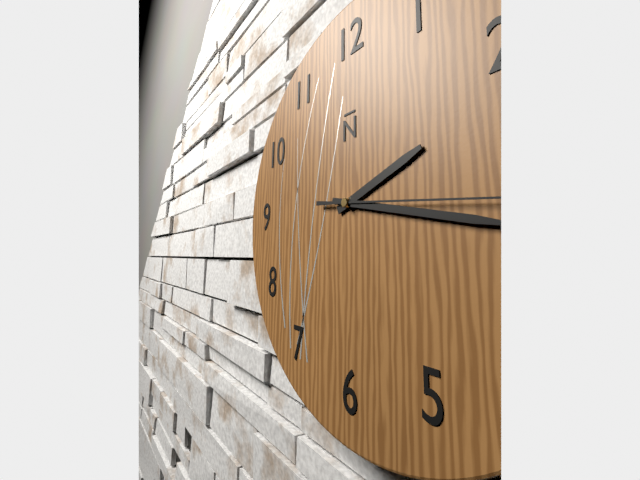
2,17,16
